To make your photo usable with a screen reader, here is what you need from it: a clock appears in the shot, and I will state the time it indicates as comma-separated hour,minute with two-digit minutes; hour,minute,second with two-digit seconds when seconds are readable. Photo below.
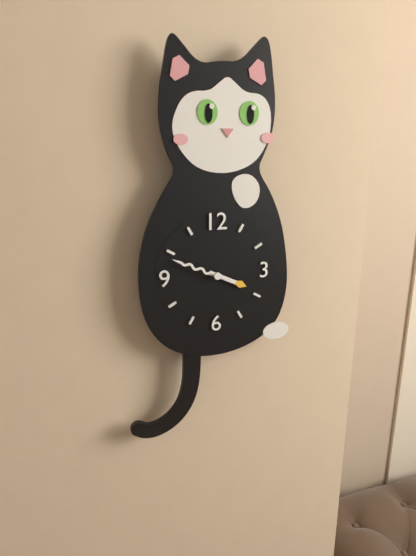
3,49
